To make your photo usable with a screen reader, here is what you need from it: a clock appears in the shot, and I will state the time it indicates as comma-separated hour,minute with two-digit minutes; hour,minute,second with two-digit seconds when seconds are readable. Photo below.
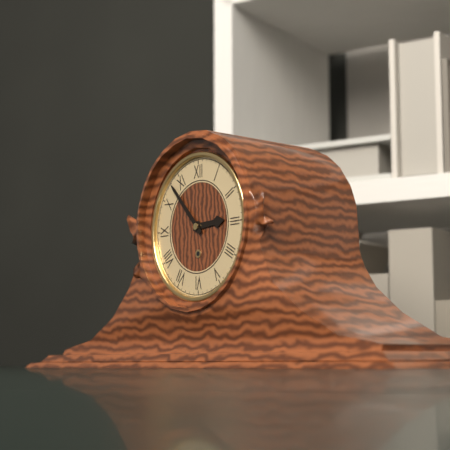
2,53
